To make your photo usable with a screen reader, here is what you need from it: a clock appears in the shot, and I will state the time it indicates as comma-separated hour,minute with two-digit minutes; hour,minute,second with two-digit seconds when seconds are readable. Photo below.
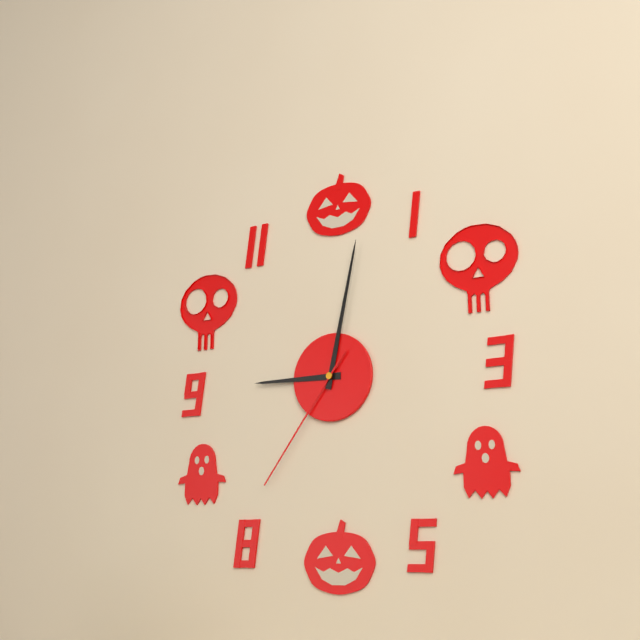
9,02,36
